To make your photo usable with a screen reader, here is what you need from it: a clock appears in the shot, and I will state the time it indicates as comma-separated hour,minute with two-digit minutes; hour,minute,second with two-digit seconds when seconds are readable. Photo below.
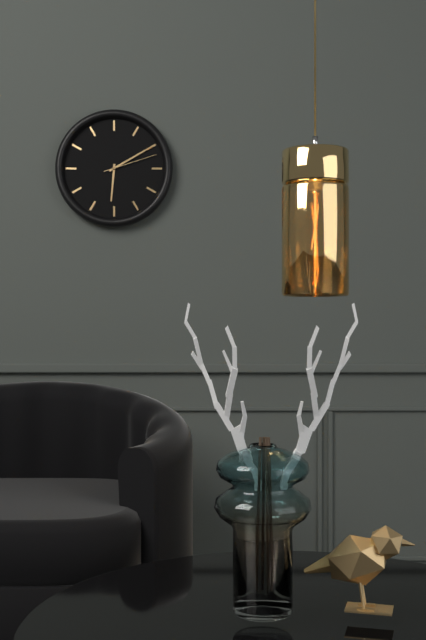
6,10,12
